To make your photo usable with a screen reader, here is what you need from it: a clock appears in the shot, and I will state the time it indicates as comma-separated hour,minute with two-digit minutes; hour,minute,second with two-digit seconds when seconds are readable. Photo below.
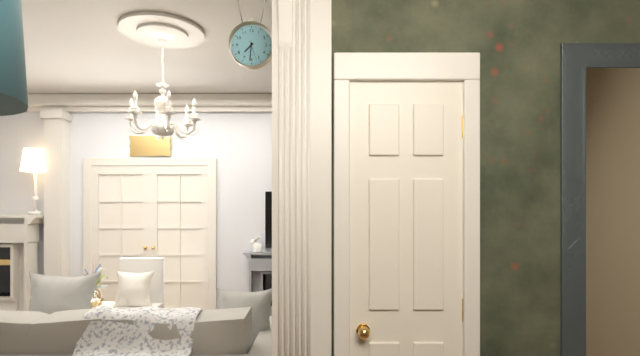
7,31
